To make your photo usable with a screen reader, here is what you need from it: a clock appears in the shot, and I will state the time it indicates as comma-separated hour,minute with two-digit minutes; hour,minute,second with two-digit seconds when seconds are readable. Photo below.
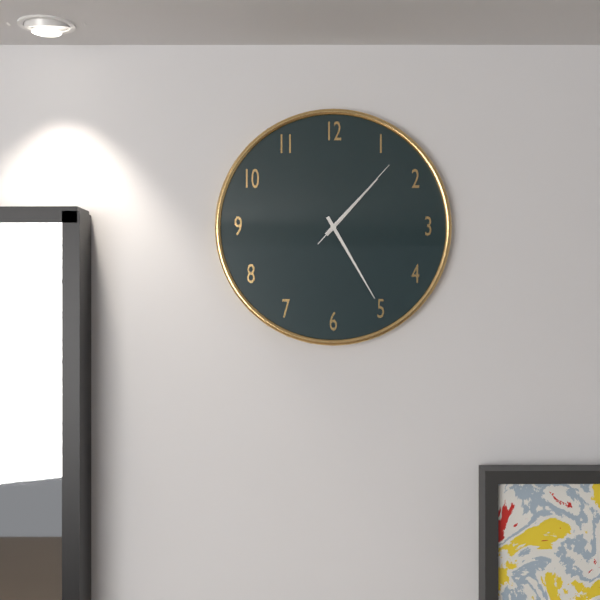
1,25,07
